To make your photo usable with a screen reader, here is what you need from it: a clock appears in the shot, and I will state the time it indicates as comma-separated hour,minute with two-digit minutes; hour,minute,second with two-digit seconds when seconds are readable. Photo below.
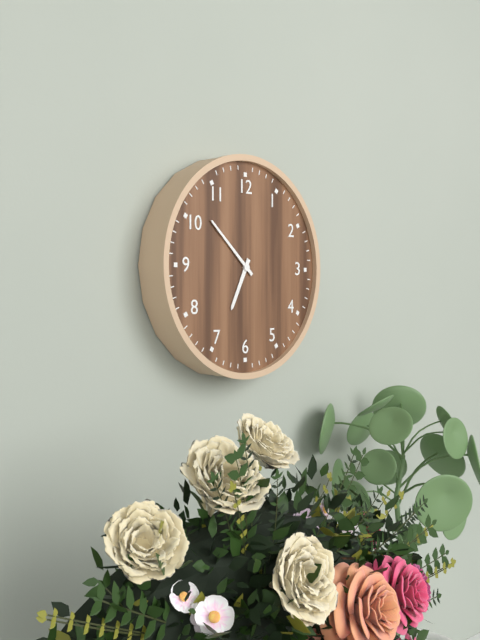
6,52
